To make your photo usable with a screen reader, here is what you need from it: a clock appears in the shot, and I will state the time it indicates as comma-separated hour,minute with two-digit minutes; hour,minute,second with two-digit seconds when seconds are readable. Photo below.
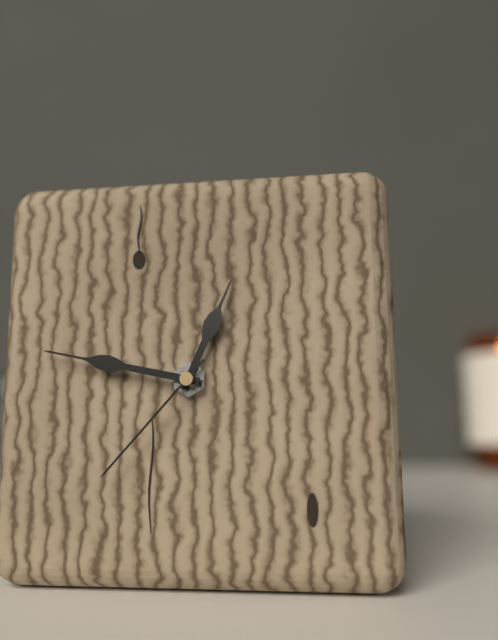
12,47,37
